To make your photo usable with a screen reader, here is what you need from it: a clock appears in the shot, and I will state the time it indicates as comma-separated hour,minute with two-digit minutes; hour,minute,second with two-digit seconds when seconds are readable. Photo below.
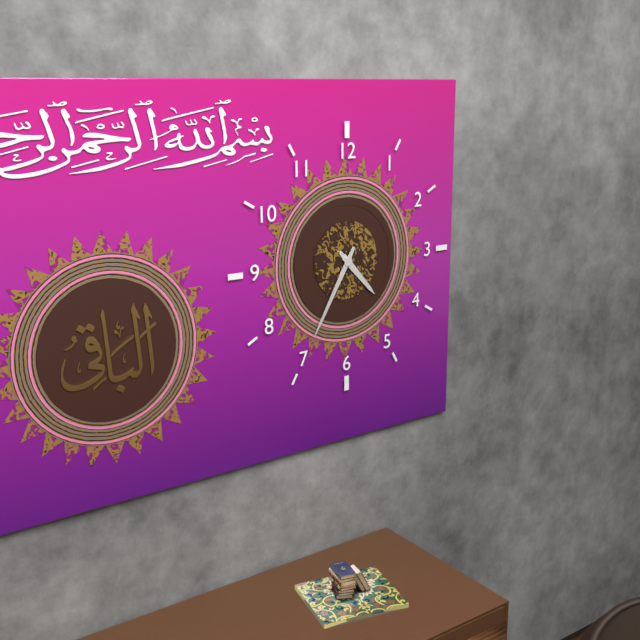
4,35
